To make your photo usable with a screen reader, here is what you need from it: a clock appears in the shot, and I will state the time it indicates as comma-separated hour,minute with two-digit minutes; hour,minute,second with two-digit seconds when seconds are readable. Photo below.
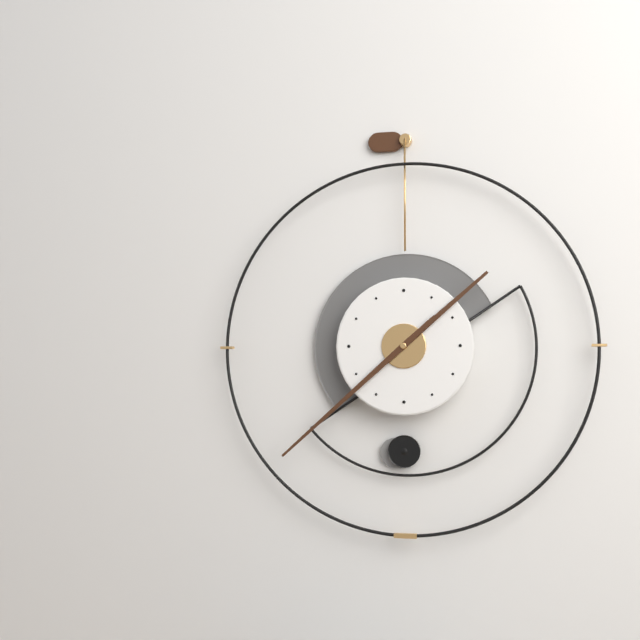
1,38
